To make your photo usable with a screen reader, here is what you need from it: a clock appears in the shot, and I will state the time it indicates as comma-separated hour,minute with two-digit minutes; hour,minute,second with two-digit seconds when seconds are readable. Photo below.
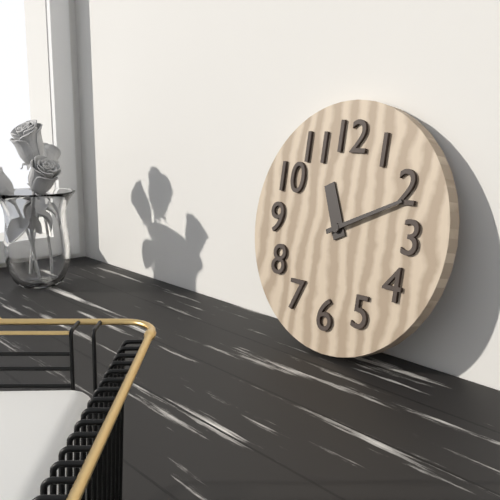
11,11
